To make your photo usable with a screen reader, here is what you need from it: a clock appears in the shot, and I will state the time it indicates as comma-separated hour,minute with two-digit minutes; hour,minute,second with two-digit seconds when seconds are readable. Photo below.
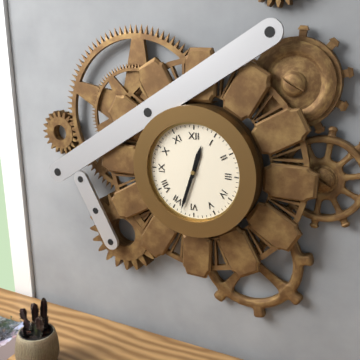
12,33
